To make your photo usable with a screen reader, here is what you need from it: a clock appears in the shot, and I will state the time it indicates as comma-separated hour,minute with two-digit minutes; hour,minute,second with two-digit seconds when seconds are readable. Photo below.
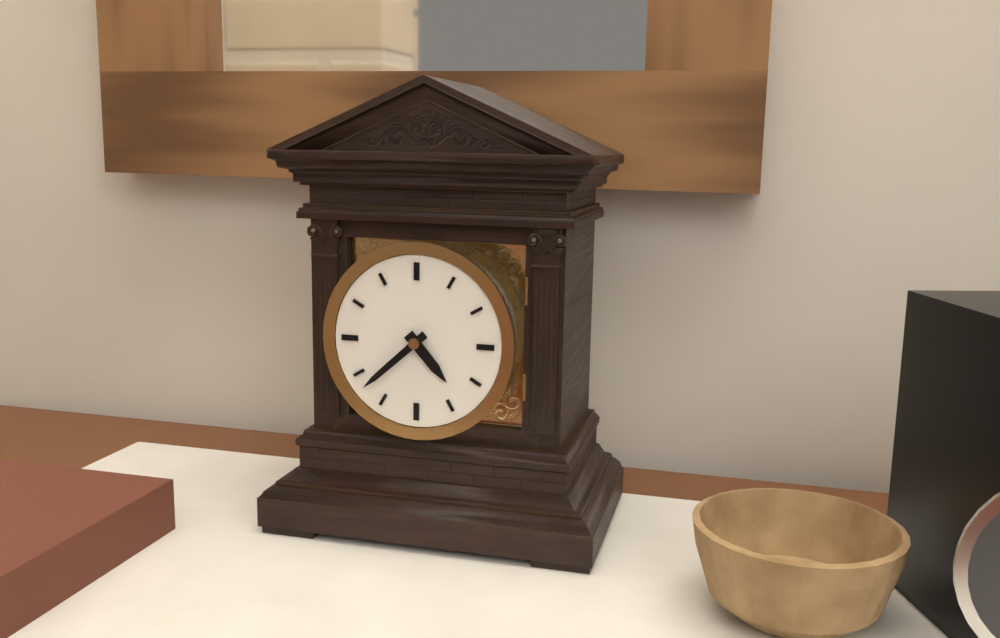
4,38
